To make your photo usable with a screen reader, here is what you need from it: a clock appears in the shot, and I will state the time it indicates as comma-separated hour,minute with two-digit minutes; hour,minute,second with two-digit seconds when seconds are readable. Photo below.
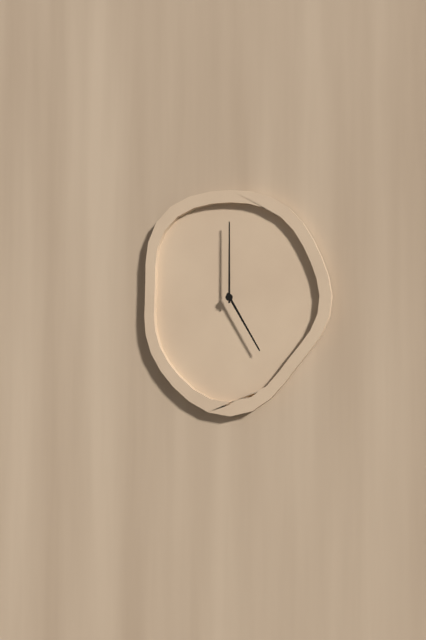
5,00
